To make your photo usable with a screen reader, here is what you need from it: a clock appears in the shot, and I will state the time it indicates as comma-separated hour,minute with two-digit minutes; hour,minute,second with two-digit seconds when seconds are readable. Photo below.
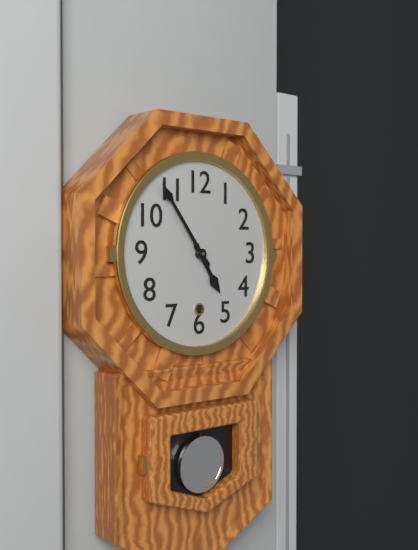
4,54
